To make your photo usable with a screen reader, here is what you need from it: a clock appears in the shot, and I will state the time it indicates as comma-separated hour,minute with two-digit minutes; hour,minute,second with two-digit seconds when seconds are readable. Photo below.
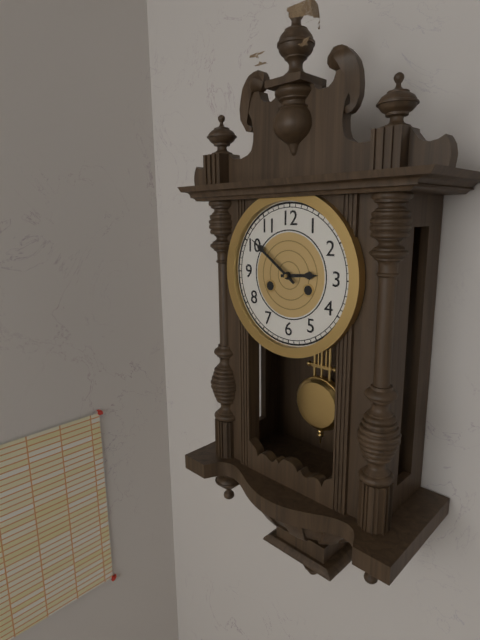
2,51
